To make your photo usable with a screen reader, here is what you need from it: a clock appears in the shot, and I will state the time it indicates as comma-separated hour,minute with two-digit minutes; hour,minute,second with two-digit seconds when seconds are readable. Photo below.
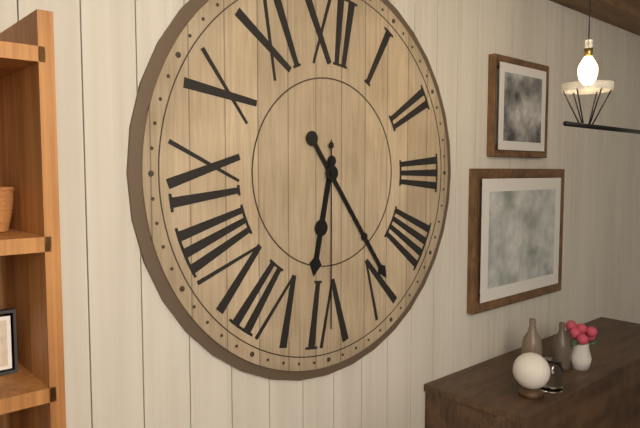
6,24,30
